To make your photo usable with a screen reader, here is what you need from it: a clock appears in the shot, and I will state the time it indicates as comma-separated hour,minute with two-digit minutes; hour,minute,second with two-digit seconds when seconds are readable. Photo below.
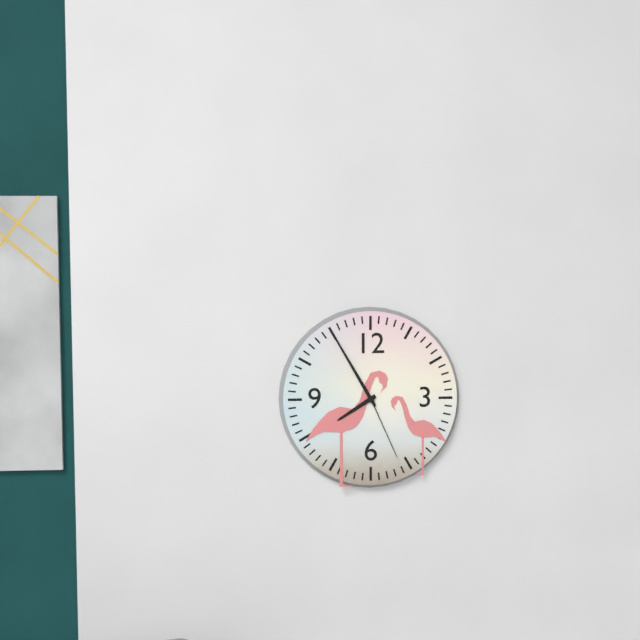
7,55,26
